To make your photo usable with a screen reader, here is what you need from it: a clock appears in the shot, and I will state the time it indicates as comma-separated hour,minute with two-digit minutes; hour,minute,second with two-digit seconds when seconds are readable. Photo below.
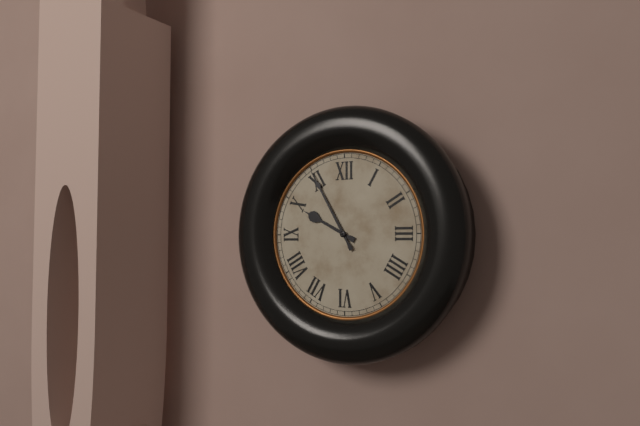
9,55
